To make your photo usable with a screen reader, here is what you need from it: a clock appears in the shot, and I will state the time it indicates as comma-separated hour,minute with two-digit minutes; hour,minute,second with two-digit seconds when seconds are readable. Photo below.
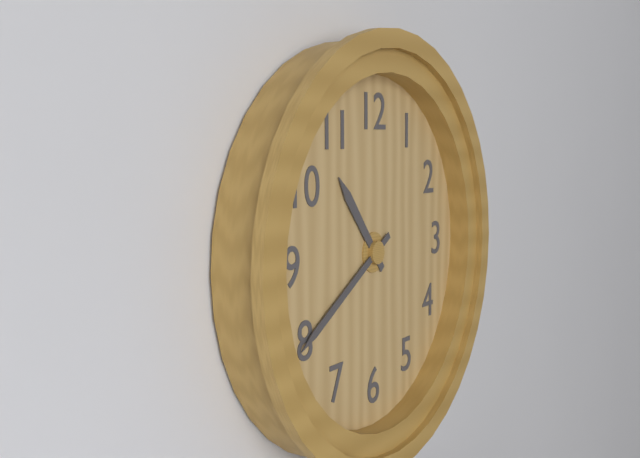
10,40
